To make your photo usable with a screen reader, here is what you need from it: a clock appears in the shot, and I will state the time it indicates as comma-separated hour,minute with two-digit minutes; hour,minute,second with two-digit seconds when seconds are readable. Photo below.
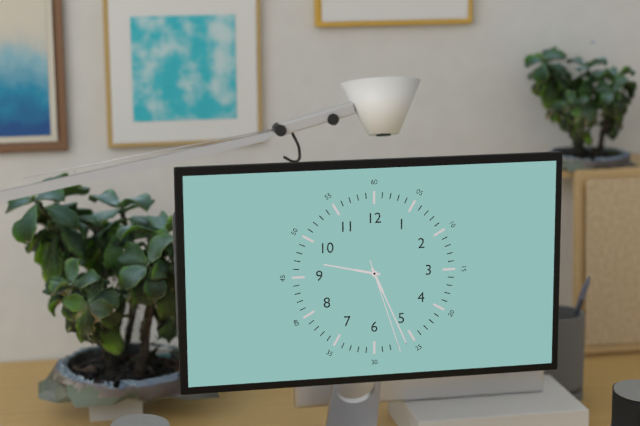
9,26,27
